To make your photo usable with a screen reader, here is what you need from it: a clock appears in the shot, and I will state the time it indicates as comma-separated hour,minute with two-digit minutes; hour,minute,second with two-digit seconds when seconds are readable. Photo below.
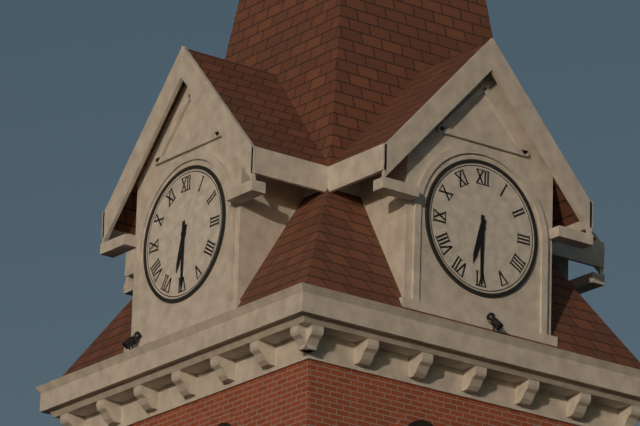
6,30
